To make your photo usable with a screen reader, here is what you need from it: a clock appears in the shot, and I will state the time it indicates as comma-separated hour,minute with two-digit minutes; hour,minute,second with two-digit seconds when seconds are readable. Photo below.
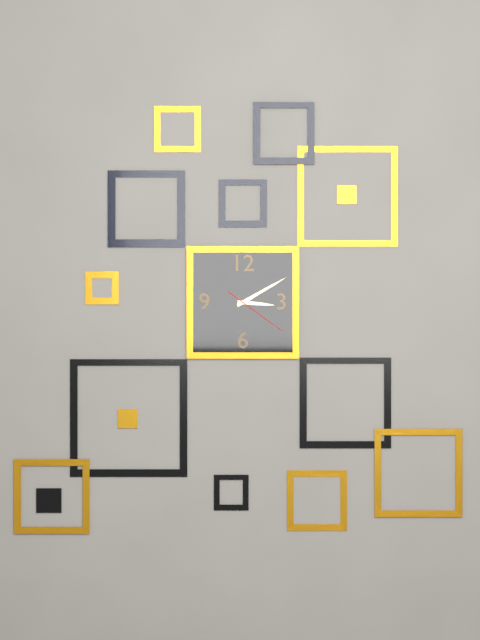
3,10,21
